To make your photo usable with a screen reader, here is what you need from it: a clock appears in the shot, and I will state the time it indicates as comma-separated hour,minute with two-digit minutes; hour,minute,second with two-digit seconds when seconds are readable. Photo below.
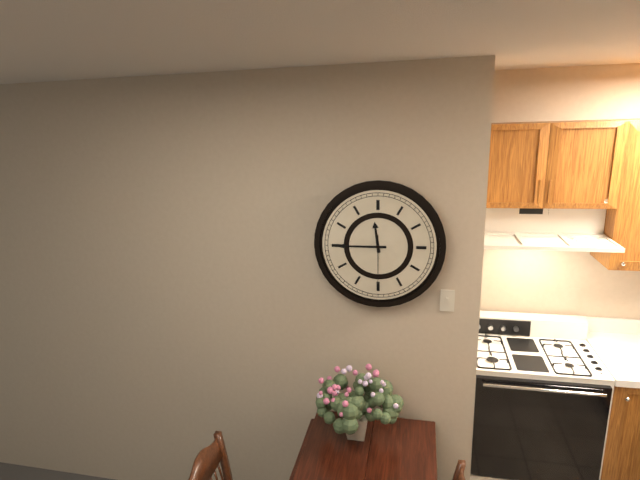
11,45,30
